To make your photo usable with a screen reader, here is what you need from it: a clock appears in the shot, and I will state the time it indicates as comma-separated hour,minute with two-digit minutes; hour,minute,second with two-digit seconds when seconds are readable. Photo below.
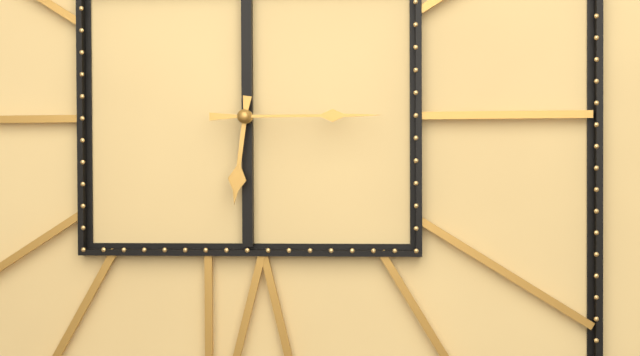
6,15
